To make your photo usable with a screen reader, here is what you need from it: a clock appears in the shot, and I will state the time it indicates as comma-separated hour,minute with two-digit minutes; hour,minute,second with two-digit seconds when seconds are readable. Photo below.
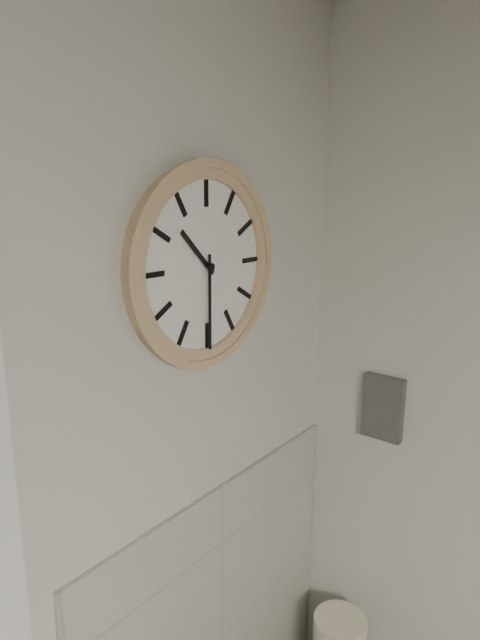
10,30
